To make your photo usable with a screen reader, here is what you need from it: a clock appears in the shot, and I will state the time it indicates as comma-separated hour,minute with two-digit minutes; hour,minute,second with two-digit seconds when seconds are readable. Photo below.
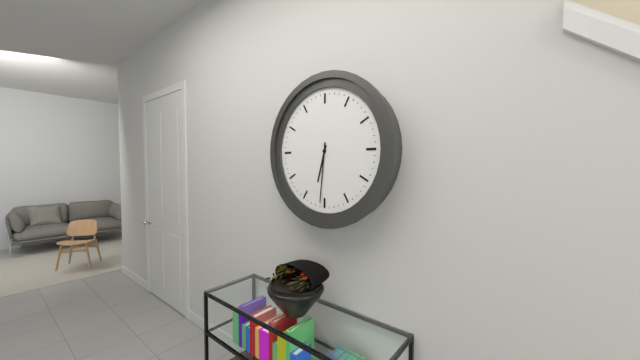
6,31
